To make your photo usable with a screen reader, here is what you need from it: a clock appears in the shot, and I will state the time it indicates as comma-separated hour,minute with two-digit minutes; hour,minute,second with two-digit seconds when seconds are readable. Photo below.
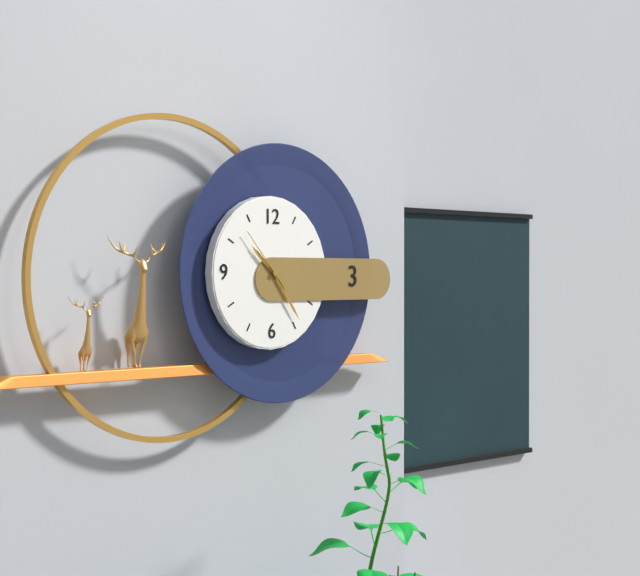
10,24,53
